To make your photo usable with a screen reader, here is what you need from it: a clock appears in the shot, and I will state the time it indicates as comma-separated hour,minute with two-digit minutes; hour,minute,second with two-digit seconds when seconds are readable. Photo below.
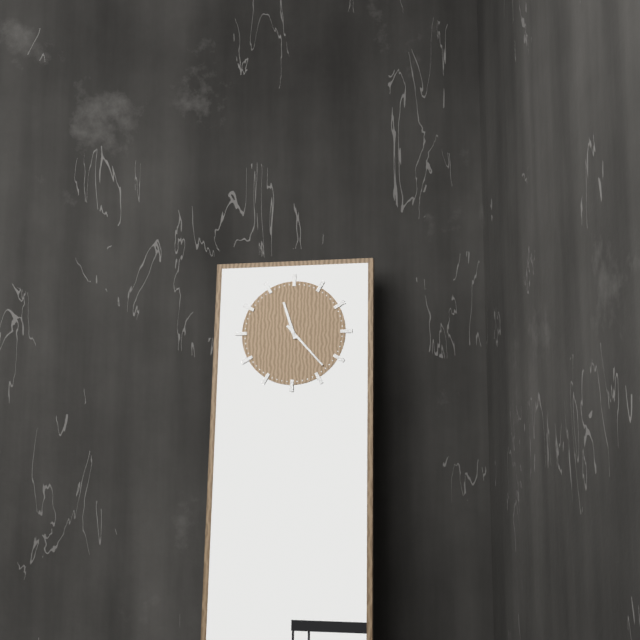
11,23
